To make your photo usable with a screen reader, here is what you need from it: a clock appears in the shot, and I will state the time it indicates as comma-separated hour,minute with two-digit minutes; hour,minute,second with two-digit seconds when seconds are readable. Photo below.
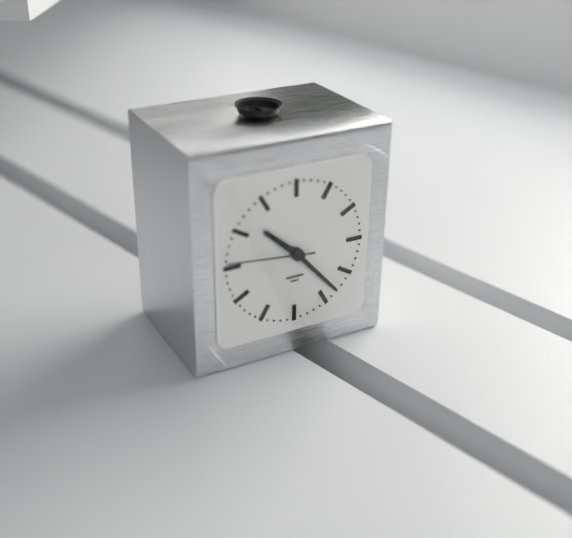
10,23,46
